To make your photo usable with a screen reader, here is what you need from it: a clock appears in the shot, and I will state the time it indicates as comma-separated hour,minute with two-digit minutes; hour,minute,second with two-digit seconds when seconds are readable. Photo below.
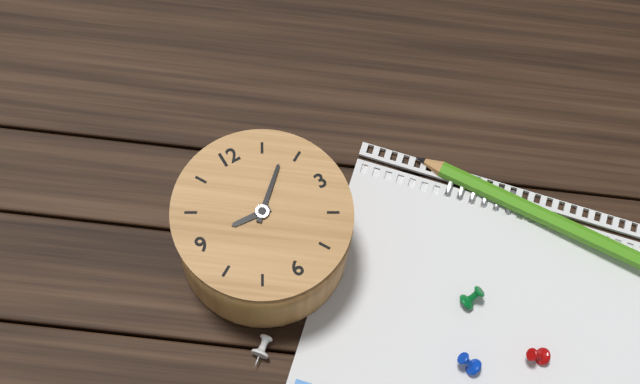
9,08
